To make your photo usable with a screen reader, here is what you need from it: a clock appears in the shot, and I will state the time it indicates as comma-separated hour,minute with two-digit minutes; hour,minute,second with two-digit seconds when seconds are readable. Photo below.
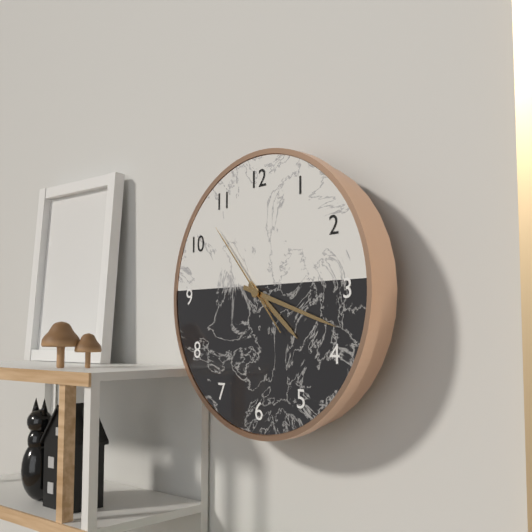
4,18,53
